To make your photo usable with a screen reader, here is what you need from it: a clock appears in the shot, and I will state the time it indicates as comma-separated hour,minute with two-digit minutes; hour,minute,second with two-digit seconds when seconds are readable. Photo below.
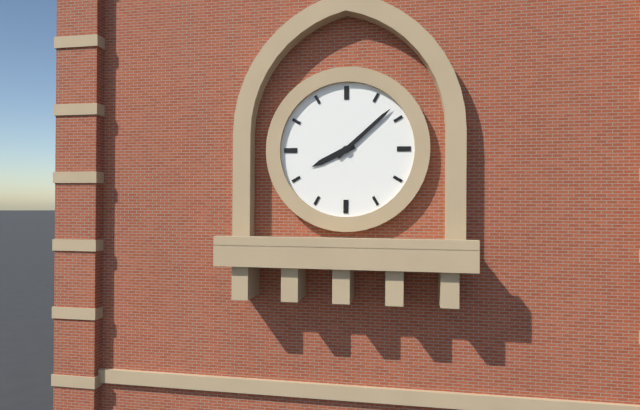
8,08
